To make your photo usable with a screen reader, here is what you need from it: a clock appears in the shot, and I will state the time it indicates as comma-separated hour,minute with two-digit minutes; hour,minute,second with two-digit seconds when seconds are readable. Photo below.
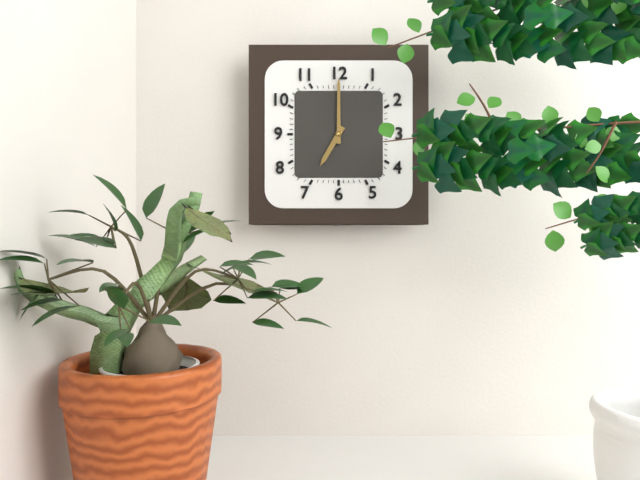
7,00
